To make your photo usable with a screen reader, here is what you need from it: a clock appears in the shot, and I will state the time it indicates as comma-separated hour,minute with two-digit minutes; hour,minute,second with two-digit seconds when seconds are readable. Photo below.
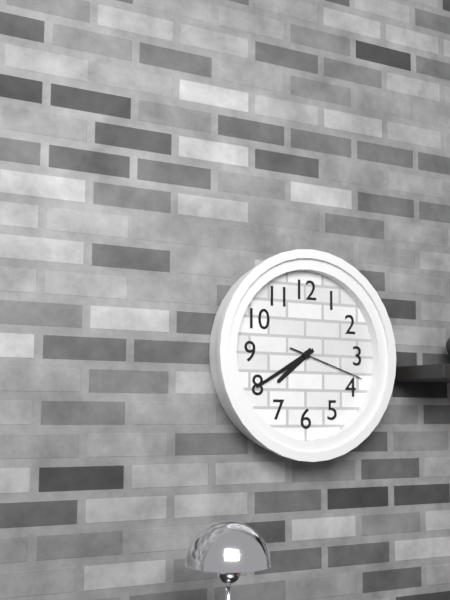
7,40,18
